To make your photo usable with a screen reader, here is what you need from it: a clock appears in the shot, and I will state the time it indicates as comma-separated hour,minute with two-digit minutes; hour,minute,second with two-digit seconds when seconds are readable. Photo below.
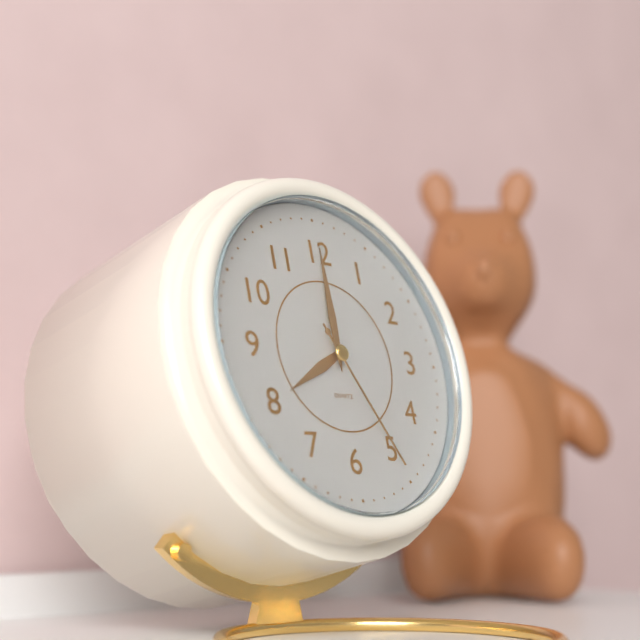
8,00,25
